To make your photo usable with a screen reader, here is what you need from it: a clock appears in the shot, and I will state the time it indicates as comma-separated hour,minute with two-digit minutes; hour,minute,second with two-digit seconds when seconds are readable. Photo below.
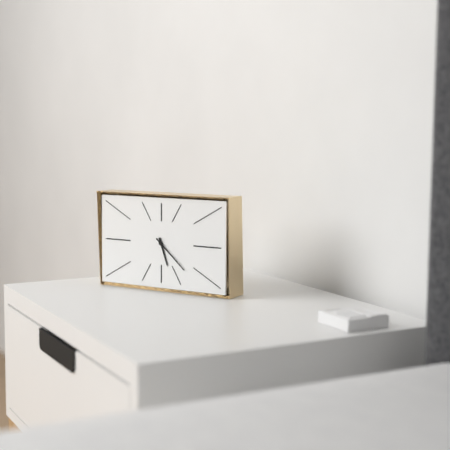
5,22
